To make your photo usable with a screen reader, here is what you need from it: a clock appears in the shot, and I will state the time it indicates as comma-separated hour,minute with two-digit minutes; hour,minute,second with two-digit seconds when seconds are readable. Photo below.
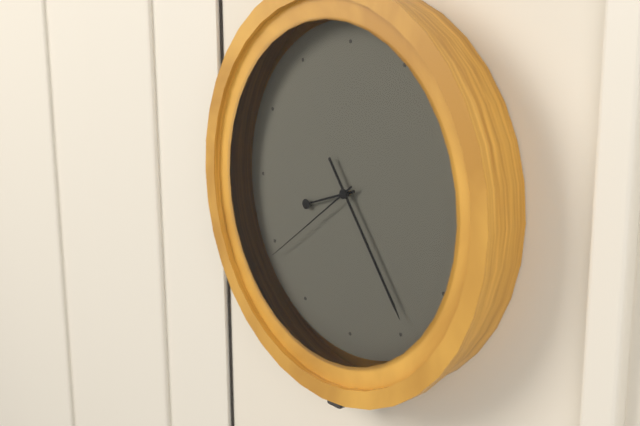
8,24,39
